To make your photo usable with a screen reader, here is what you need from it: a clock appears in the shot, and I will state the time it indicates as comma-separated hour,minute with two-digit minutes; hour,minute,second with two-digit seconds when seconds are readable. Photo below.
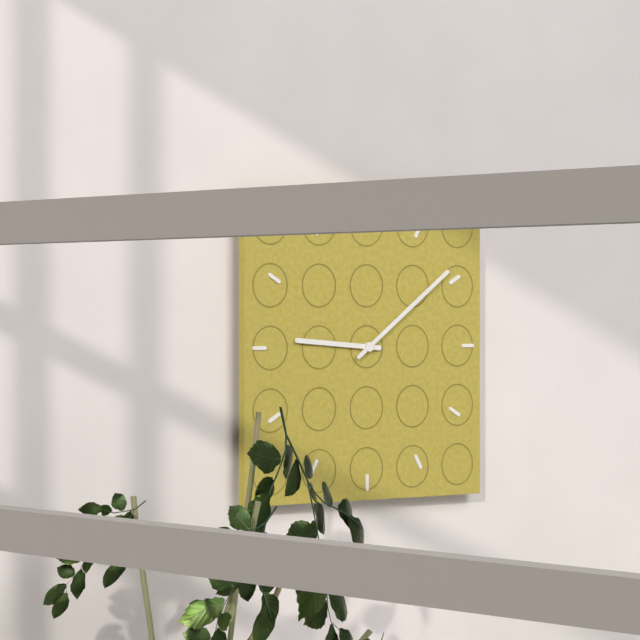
9,09
